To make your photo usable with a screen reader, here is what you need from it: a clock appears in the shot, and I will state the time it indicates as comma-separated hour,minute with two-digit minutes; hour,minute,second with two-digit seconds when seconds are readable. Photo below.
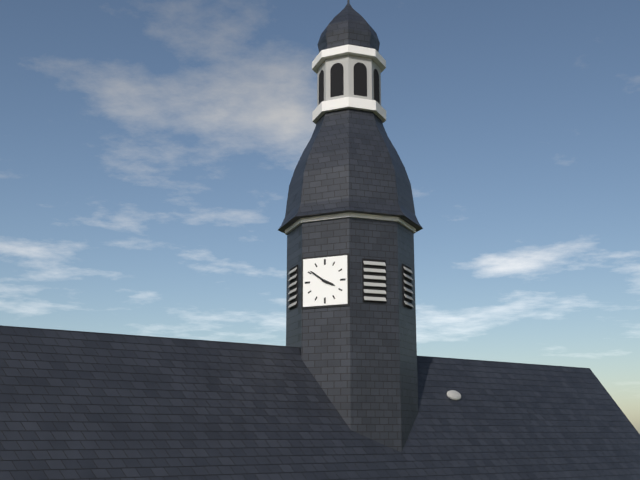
3,51
